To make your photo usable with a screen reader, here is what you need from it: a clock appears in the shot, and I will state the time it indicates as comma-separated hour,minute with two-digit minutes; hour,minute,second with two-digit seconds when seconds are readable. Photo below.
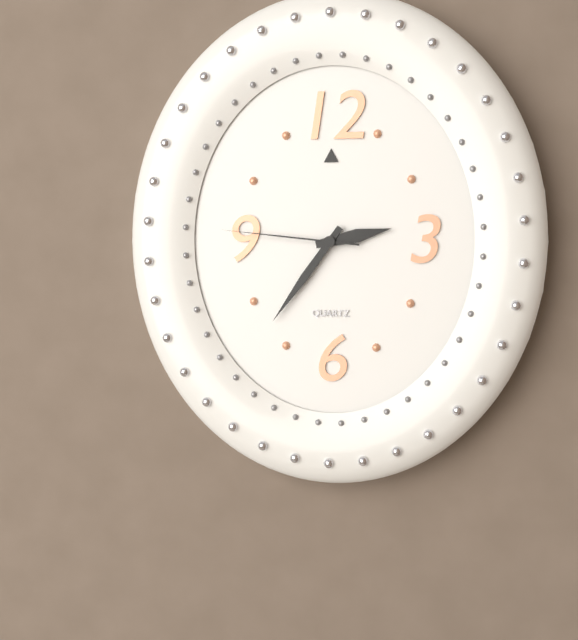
2,36,46
